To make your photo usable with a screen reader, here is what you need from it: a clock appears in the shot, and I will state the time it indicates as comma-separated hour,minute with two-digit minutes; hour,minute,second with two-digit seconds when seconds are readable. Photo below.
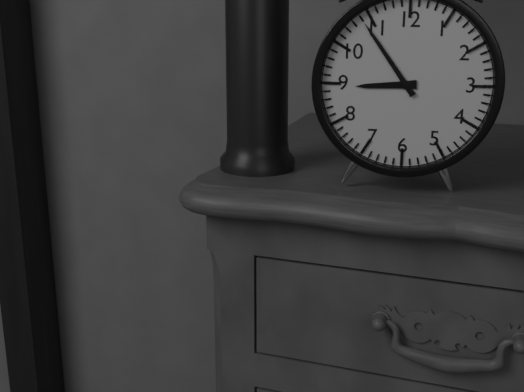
8,54
